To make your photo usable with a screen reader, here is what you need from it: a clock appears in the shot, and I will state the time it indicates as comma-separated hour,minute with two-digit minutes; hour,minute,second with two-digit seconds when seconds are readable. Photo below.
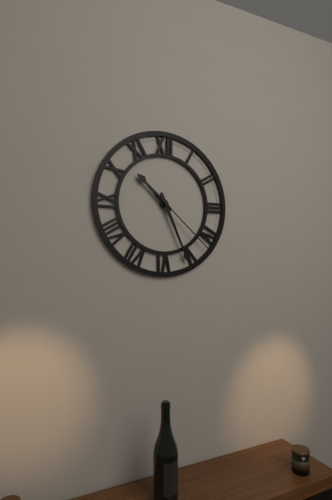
10,26,22
